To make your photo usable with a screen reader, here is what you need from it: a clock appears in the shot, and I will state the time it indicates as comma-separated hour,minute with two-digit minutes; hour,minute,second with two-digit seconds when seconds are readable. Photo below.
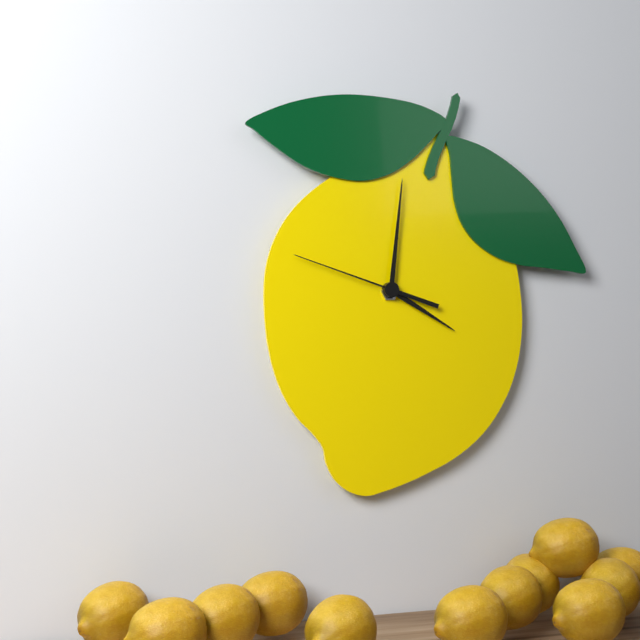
4,01,48
